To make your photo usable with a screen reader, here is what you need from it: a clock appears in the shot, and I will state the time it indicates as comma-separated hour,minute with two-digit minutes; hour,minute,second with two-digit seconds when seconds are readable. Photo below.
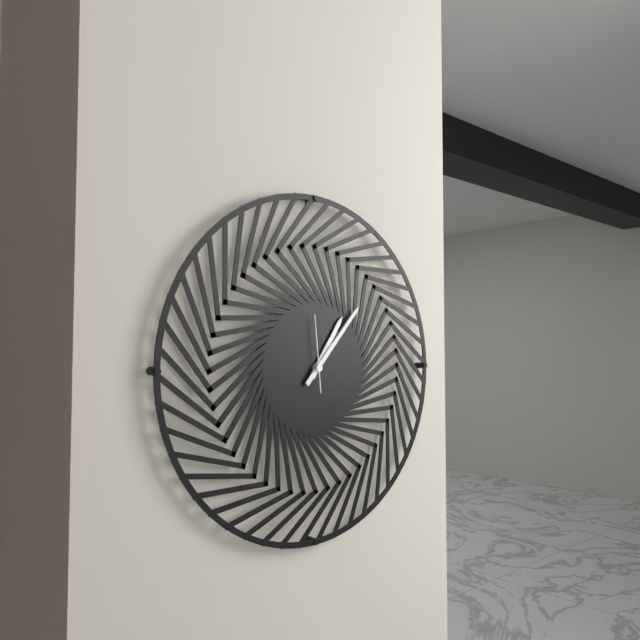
1,07,59
